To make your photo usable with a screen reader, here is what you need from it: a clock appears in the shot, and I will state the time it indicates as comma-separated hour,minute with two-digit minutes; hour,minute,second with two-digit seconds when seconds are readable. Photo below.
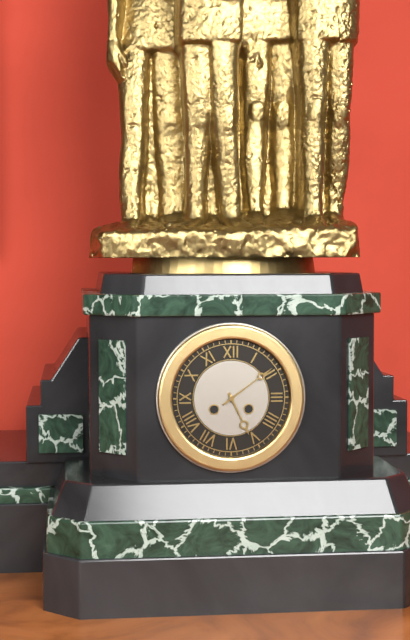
5,09
